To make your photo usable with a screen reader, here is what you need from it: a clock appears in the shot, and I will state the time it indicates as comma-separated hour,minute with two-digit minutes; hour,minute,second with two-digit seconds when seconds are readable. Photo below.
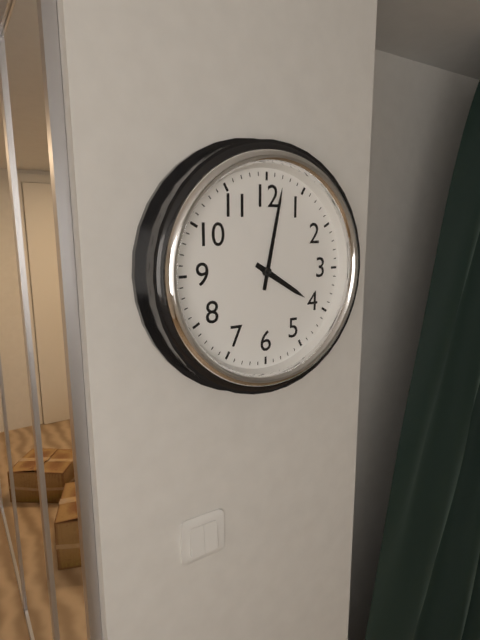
4,02
